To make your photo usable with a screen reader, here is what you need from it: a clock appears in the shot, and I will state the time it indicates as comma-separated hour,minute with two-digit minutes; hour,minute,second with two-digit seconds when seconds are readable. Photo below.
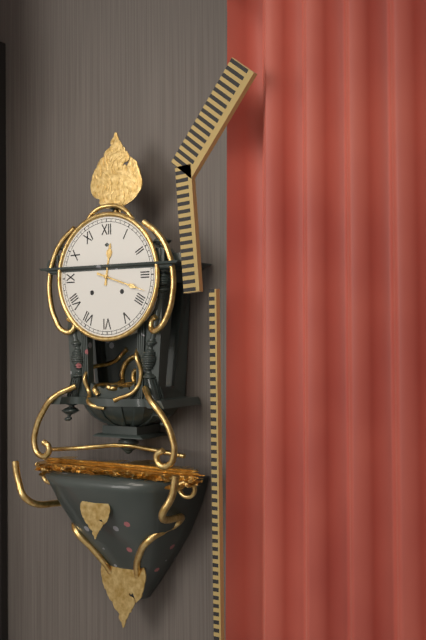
12,18
